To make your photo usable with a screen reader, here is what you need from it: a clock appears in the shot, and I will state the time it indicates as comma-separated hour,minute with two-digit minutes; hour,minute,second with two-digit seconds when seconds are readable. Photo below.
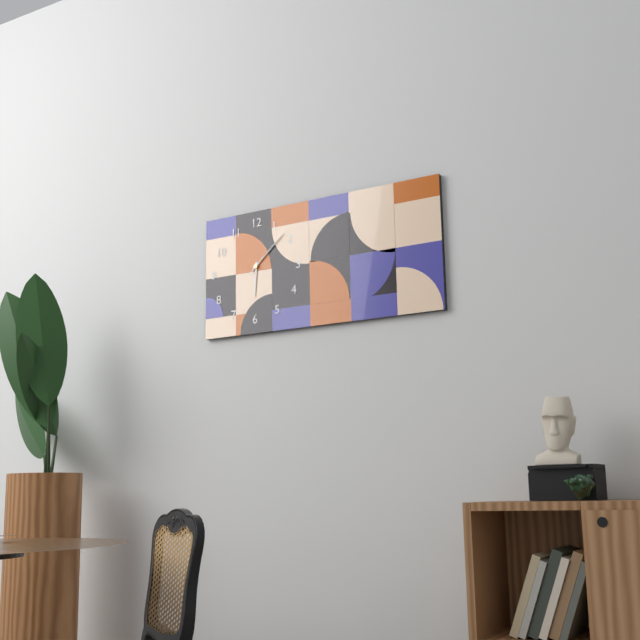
6,08
